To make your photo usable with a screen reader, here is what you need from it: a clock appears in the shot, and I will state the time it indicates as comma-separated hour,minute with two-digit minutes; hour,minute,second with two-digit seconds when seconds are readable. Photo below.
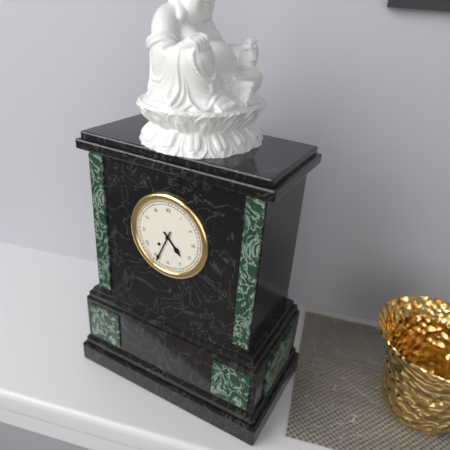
4,34
